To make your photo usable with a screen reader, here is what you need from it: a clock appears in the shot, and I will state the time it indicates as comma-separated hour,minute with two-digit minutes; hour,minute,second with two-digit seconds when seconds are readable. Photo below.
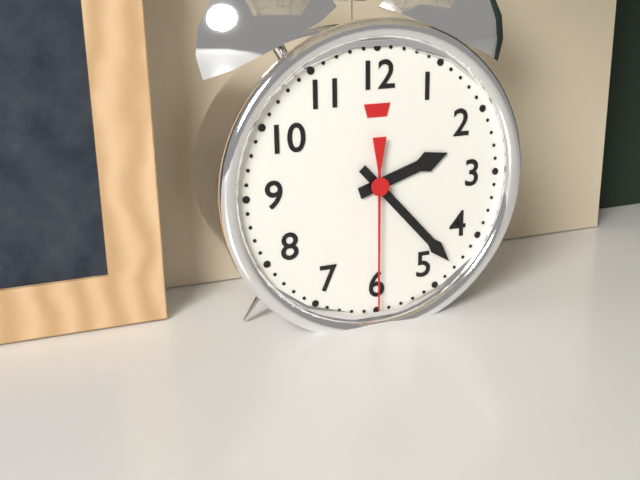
2,23,30
